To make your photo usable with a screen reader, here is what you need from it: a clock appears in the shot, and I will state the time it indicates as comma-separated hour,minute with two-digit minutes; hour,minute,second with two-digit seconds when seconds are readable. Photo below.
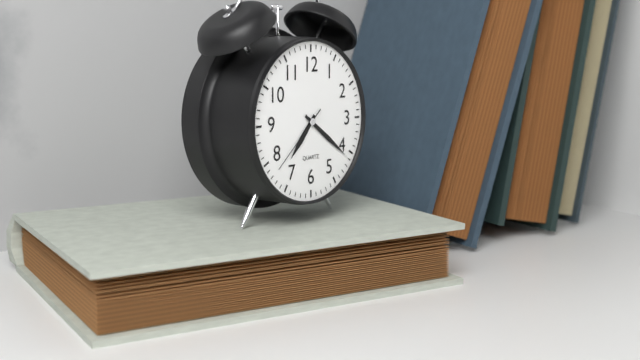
7,21,38
